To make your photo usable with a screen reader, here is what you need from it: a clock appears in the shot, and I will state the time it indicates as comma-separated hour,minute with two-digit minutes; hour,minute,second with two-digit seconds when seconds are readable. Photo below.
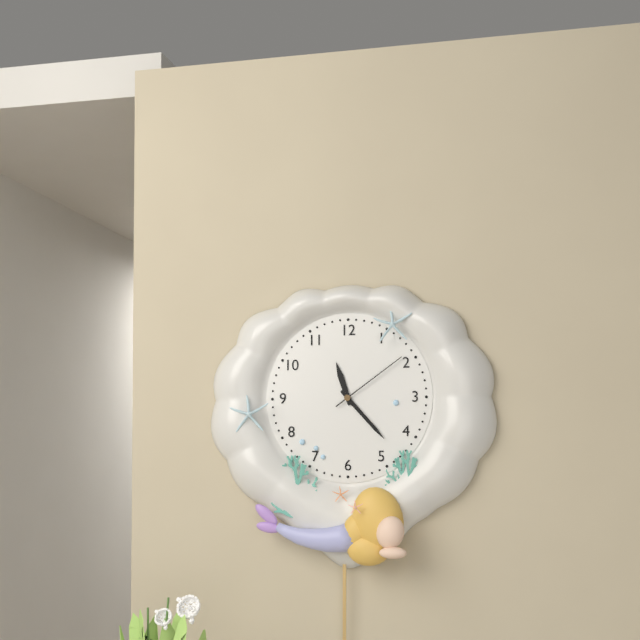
11,23,09
